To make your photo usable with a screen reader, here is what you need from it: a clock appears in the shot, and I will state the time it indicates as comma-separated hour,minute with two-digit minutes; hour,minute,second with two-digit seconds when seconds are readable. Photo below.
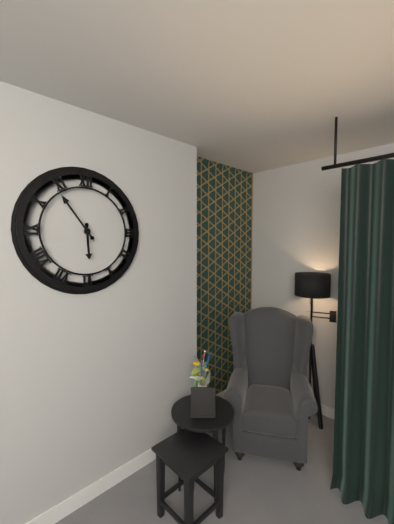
5,54
